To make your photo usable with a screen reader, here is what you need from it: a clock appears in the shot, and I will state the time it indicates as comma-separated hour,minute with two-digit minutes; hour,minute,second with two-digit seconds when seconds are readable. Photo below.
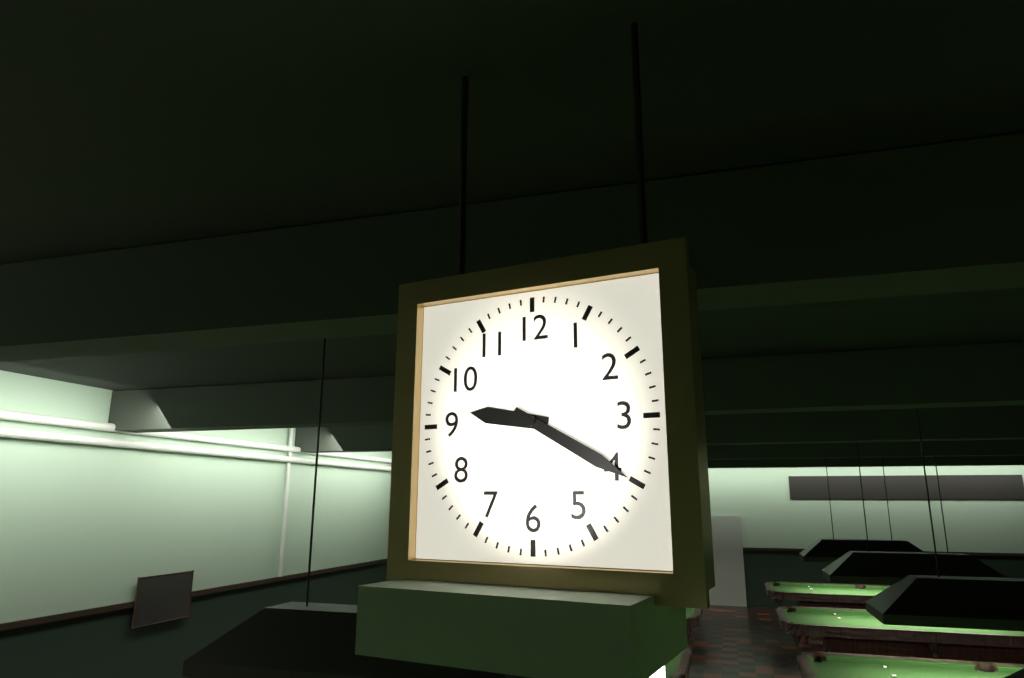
9,20
